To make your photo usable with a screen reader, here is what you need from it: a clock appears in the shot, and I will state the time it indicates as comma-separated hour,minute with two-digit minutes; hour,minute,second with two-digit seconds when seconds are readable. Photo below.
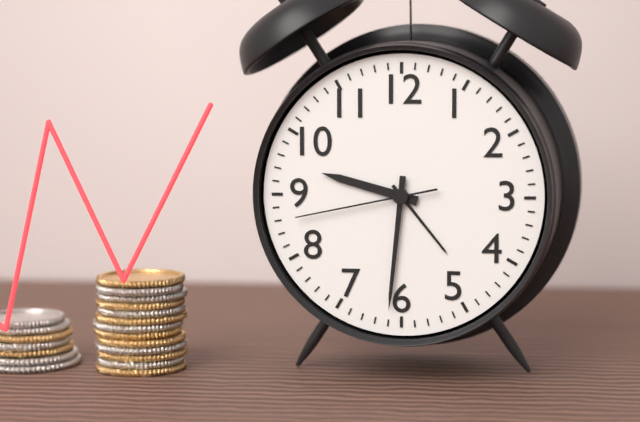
9,31,43
